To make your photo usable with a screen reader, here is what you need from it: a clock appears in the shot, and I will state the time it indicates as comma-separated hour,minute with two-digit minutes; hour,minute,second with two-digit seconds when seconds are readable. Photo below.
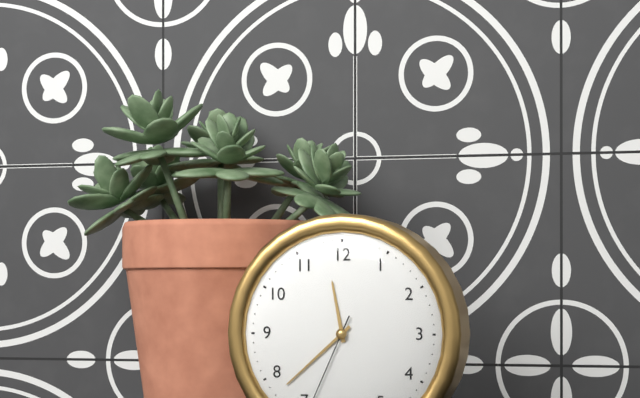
11,38
